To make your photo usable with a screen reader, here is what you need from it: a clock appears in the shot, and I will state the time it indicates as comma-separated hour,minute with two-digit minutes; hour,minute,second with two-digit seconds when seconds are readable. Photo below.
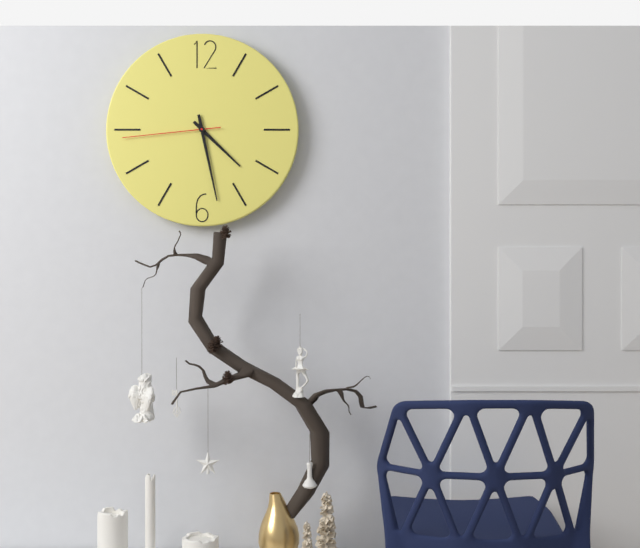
4,28,44
